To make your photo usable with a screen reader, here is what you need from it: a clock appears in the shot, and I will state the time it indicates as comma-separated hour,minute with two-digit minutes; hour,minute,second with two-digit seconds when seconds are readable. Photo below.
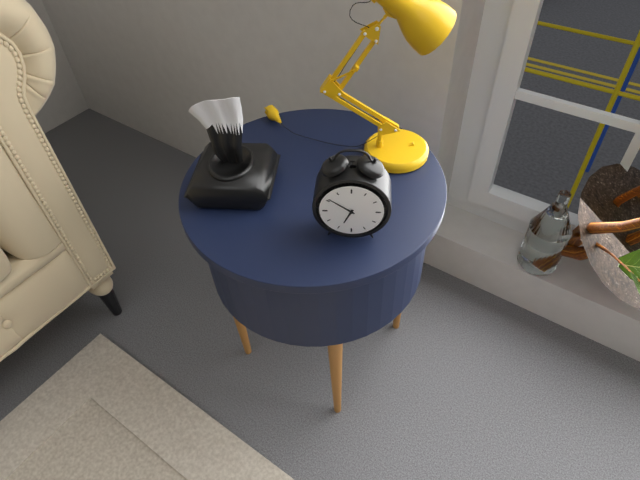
6,51
